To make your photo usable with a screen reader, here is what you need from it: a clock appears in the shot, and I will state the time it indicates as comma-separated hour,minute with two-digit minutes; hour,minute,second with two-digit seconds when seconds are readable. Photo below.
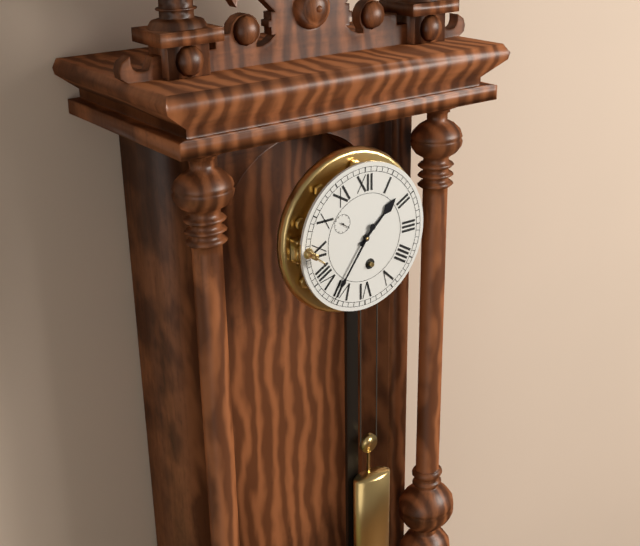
1,36
